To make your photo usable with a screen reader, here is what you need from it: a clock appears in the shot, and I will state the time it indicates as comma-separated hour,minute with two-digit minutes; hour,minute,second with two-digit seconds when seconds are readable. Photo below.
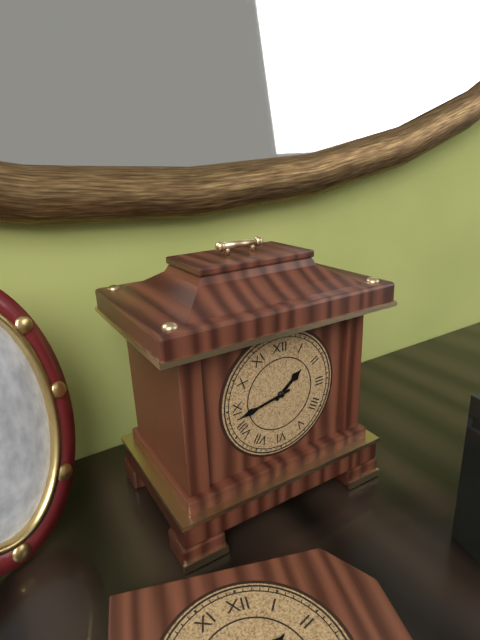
1,43
